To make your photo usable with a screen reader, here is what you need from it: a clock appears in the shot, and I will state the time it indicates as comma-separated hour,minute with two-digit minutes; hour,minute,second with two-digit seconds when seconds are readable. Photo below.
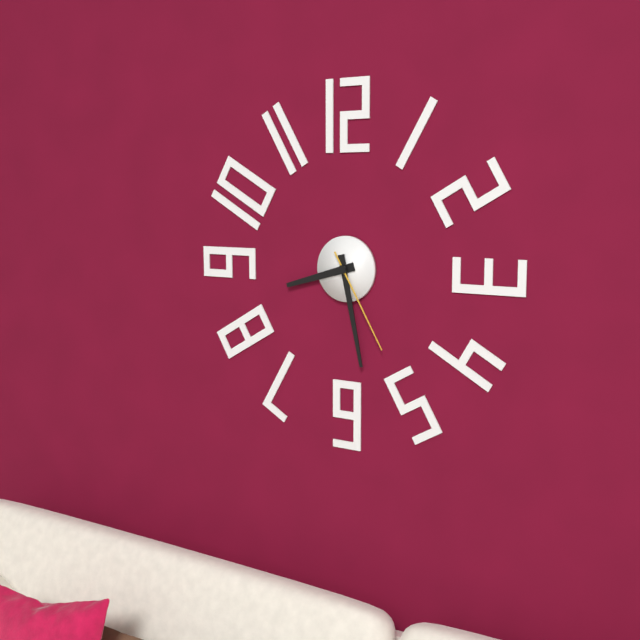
8,28,25
